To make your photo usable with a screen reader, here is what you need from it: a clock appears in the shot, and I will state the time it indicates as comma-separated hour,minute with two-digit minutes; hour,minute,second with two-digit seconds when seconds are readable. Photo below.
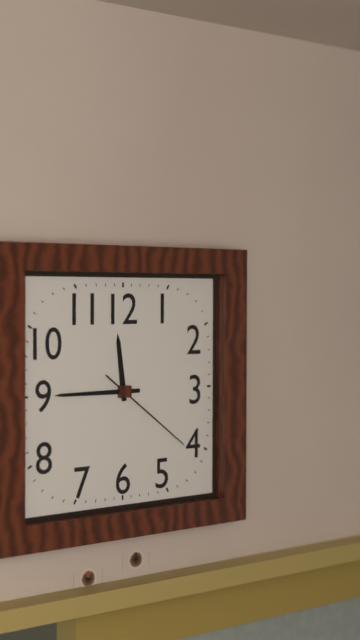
11,45,21
